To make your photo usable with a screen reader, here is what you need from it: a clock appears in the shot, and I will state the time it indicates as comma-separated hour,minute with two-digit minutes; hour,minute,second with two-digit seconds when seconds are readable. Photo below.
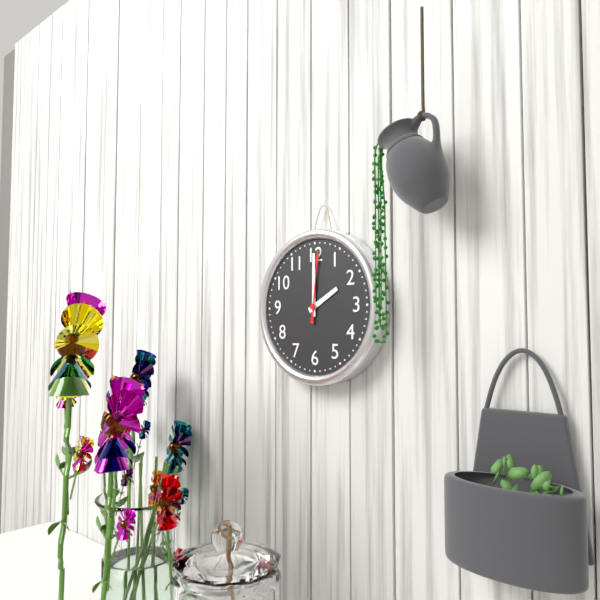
2,00,01
